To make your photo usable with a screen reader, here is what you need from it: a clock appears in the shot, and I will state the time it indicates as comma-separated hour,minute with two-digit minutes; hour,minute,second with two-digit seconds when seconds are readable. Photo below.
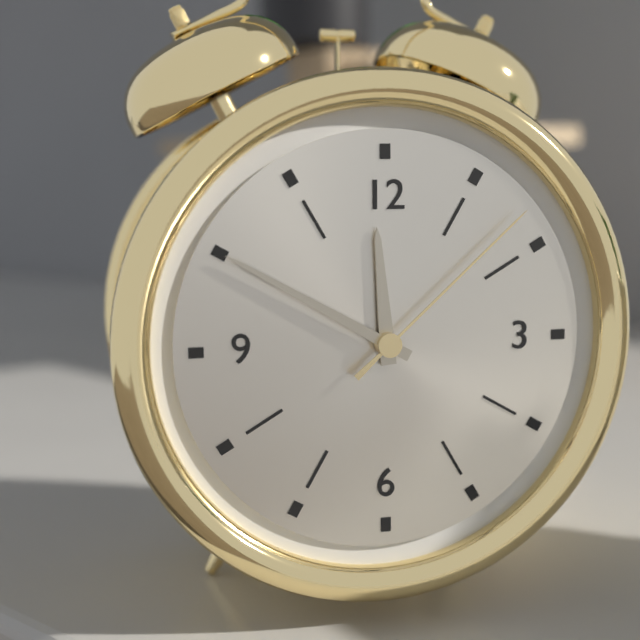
11,50,08
